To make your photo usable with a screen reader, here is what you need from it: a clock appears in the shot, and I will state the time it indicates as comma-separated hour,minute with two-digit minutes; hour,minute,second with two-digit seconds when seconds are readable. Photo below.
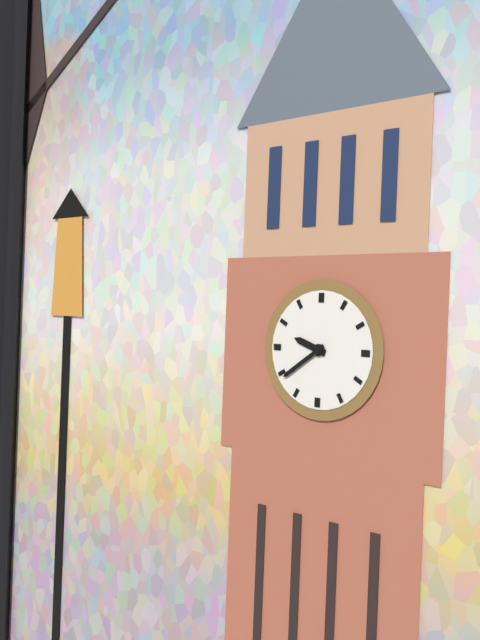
9,39
